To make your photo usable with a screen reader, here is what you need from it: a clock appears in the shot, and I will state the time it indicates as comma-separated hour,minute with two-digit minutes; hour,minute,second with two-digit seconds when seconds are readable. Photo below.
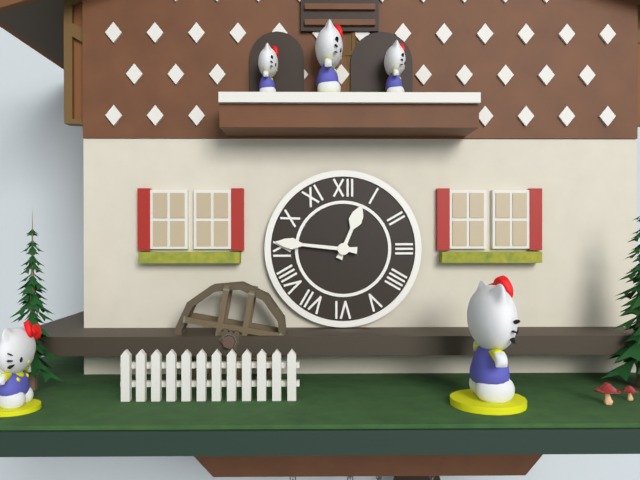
12,46
